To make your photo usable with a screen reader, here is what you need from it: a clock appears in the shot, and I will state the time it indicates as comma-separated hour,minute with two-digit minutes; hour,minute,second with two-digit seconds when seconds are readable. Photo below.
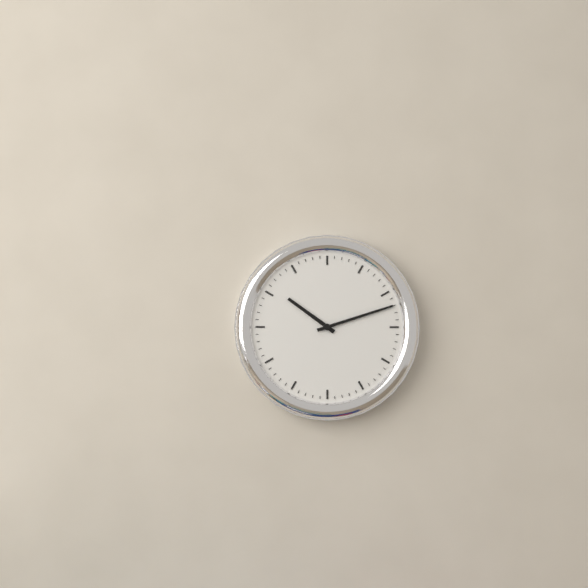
10,12
